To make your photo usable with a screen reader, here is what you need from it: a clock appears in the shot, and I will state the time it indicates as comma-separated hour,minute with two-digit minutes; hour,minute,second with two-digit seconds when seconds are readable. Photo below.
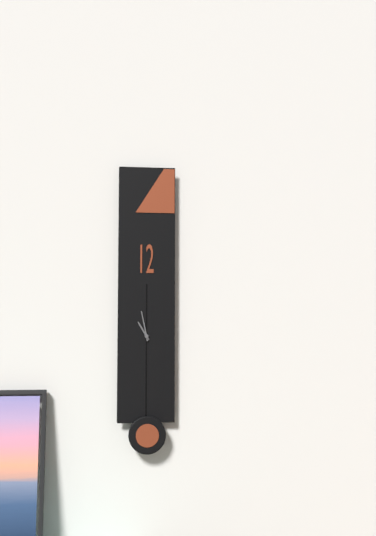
10,58
